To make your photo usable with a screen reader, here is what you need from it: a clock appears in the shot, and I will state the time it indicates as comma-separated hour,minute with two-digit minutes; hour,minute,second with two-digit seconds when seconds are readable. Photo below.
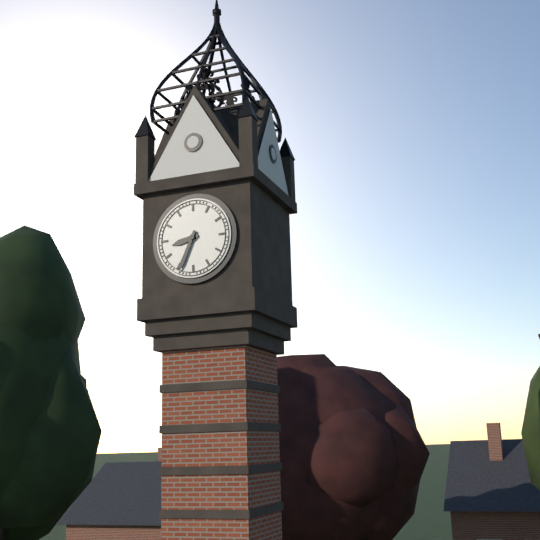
8,34
